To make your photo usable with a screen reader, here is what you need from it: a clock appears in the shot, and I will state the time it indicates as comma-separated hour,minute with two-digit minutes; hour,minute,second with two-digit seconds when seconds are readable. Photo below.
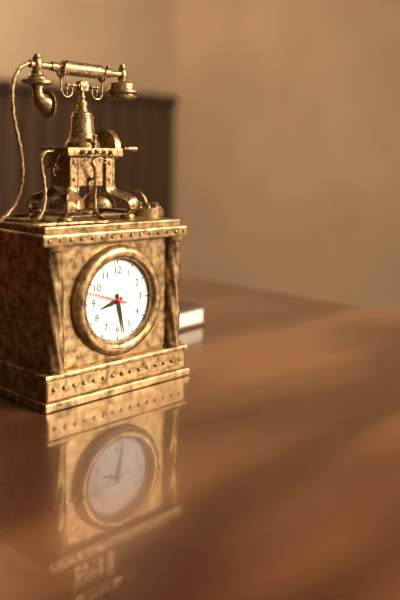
8,28
